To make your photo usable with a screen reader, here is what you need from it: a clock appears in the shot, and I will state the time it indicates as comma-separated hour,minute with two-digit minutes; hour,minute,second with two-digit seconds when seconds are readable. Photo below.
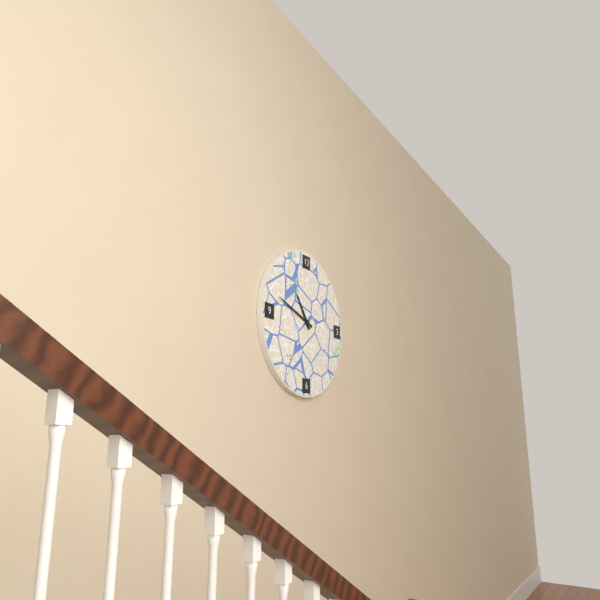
10,48
